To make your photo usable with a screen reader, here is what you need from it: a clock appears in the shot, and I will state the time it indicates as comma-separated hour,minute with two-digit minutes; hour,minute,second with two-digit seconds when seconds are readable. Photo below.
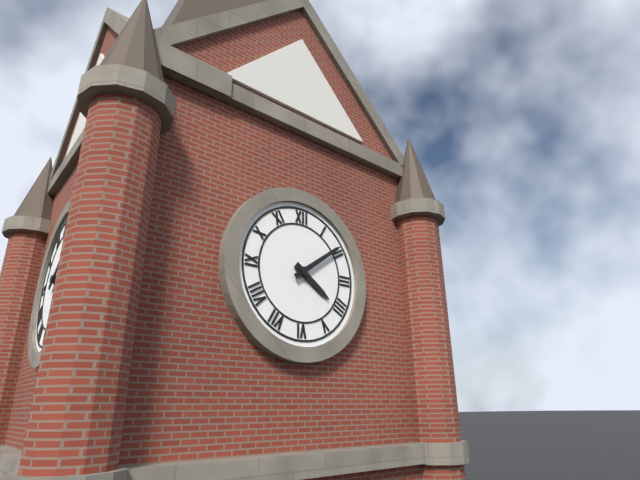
4,09
